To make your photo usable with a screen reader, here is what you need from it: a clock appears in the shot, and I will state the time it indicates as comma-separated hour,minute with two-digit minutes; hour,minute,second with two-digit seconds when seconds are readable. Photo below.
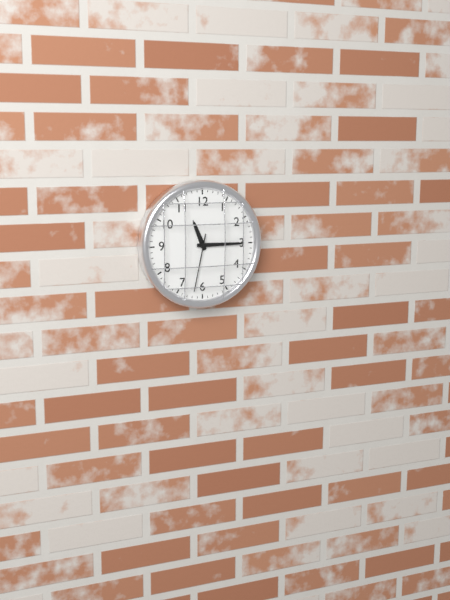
11,15,32
